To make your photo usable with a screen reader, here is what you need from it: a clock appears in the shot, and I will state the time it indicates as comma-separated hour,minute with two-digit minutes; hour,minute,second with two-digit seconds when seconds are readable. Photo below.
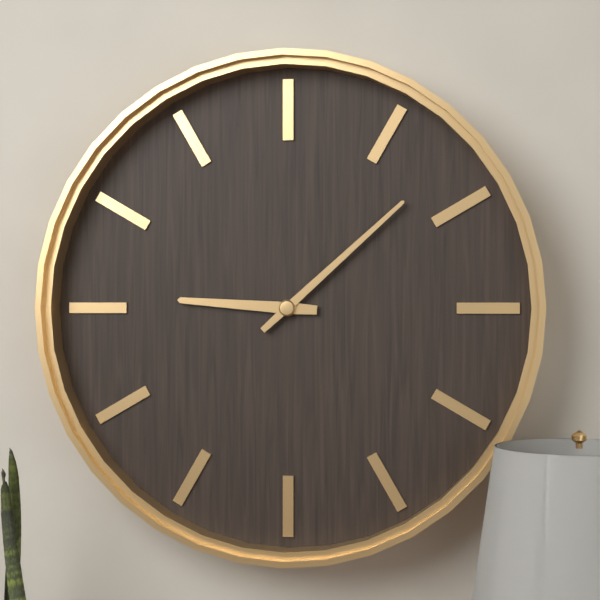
9,08
